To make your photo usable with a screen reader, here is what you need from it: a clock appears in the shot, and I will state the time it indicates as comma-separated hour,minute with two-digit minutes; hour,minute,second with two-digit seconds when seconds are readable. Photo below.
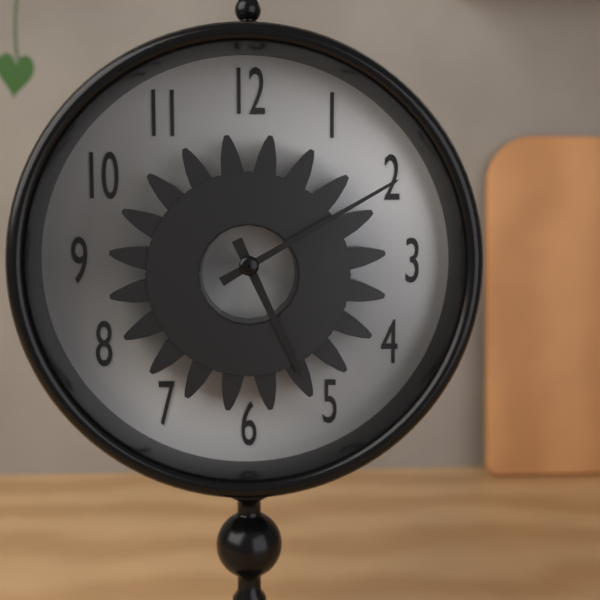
5,10
